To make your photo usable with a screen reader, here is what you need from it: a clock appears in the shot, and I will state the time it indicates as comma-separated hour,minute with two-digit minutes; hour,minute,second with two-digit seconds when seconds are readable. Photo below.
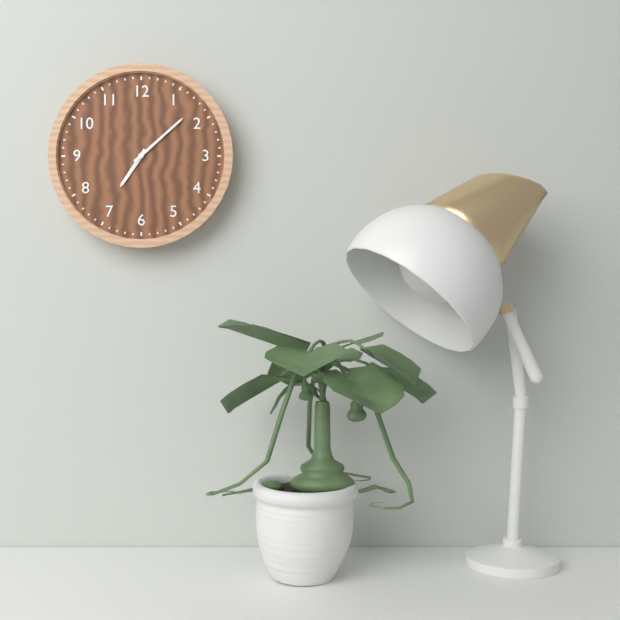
7,08
